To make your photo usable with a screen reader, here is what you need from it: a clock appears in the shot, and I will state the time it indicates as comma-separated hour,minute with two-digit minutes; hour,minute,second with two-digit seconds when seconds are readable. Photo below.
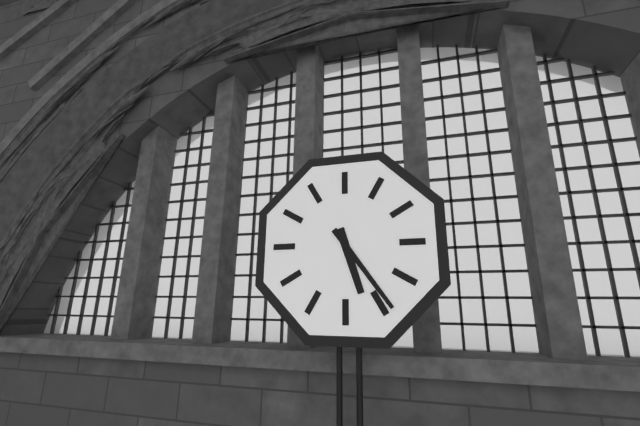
5,24
